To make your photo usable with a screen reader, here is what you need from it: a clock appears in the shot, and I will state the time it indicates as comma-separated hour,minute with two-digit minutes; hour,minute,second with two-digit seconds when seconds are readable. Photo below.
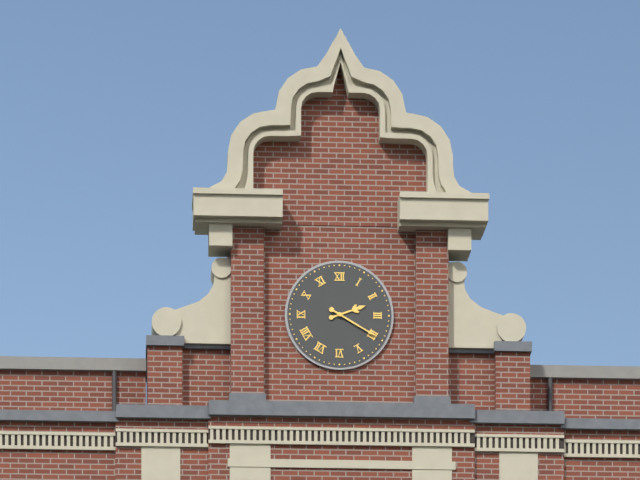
2,20
